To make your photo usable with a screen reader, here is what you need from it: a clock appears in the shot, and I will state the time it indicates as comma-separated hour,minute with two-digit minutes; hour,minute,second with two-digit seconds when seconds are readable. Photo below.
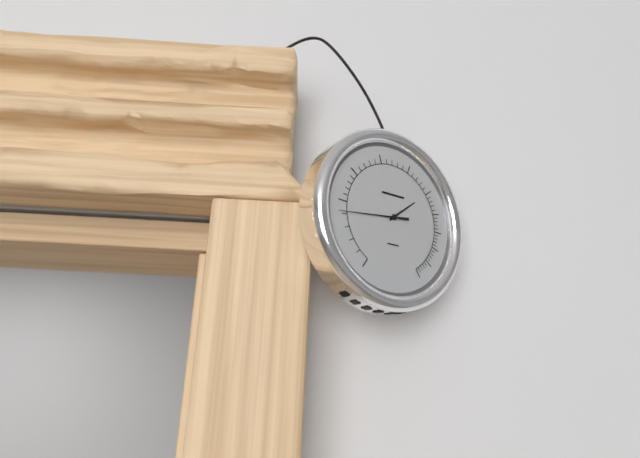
1,44
